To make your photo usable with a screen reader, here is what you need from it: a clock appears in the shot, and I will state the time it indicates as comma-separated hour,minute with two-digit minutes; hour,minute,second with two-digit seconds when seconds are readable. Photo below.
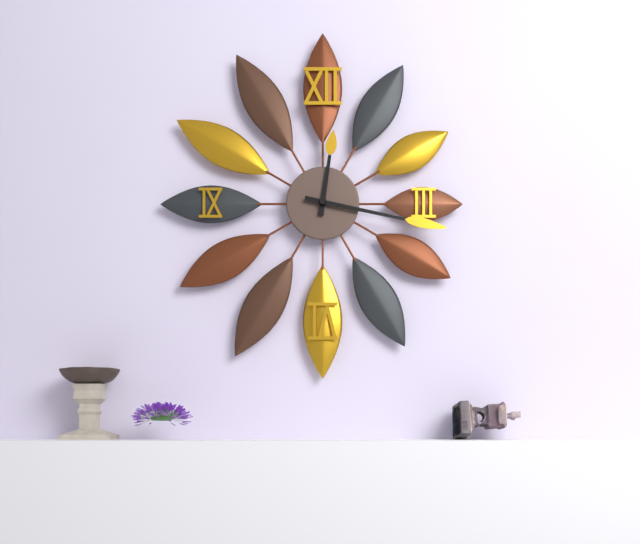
12,17
